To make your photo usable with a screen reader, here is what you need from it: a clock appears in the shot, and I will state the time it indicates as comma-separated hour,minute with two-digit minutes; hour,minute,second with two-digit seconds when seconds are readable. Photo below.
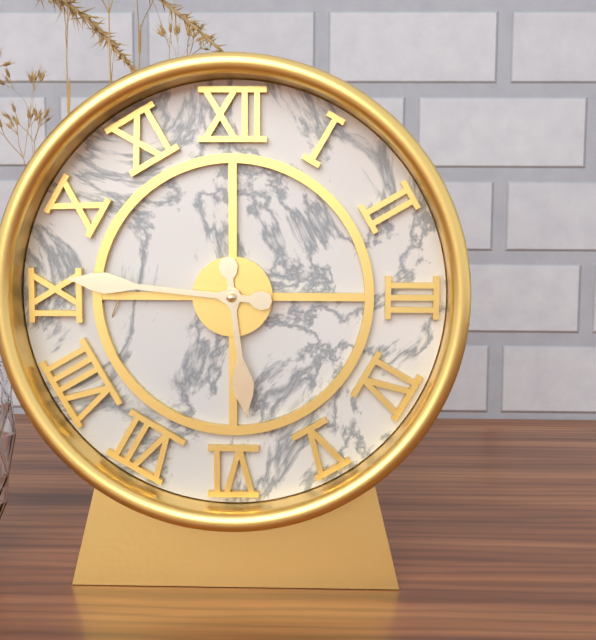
5,46
